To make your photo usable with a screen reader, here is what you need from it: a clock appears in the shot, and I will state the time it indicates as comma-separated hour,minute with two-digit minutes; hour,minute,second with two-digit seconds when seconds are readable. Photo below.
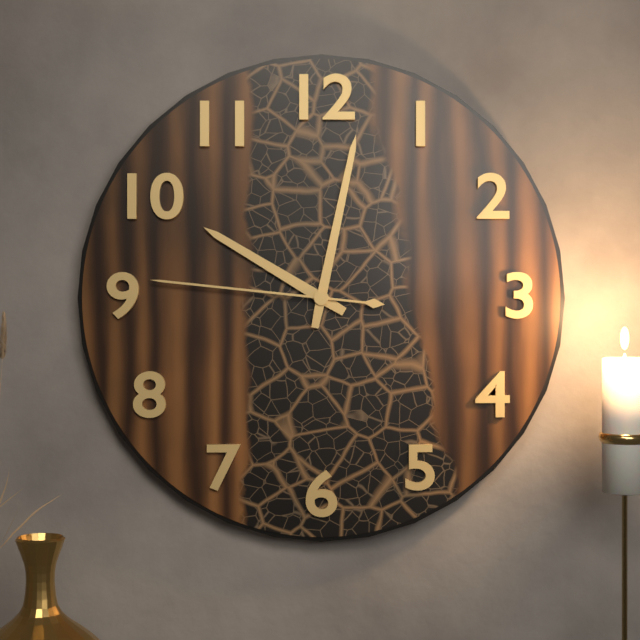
10,02,46
